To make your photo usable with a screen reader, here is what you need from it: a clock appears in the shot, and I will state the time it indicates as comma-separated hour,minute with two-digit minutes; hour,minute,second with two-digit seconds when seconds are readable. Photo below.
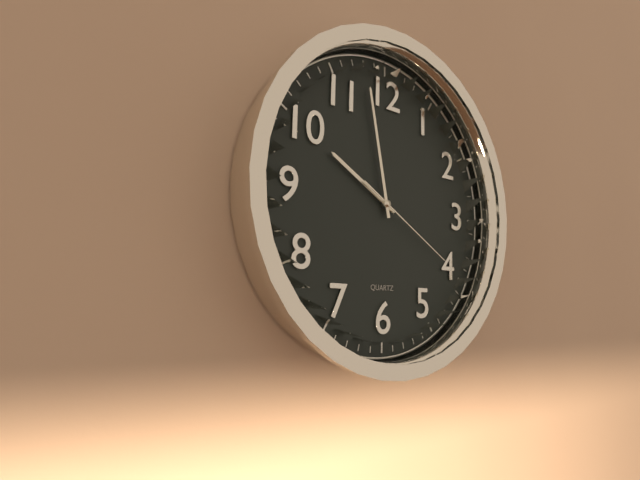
9,58,20
